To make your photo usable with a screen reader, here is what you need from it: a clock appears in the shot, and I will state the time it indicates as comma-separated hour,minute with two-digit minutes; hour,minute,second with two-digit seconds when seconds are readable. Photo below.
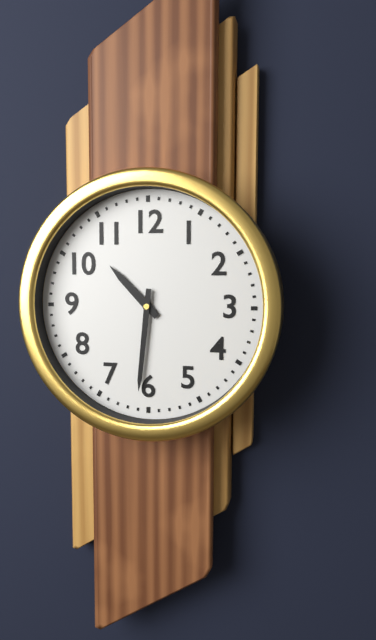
10,31
